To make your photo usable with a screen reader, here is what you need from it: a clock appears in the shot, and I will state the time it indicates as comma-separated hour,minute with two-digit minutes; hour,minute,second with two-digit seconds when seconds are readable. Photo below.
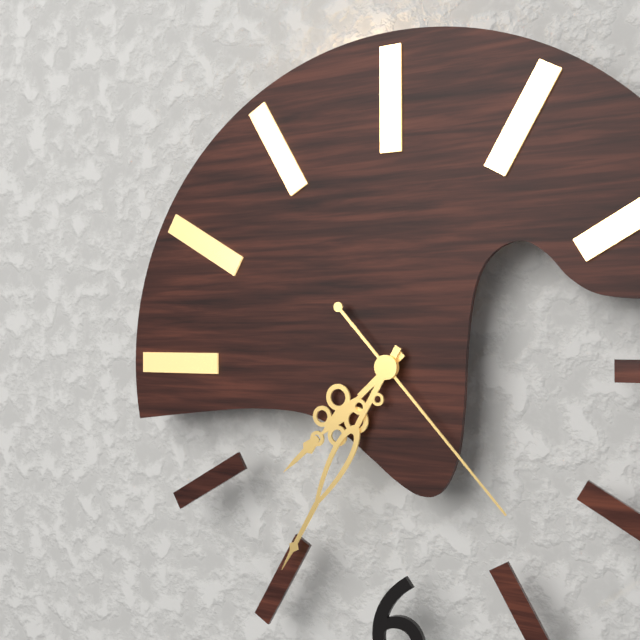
7,35,23
